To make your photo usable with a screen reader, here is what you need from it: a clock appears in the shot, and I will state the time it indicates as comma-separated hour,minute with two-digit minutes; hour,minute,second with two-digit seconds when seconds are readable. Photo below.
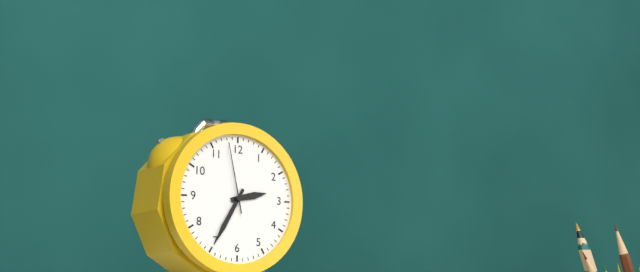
2,35,58
